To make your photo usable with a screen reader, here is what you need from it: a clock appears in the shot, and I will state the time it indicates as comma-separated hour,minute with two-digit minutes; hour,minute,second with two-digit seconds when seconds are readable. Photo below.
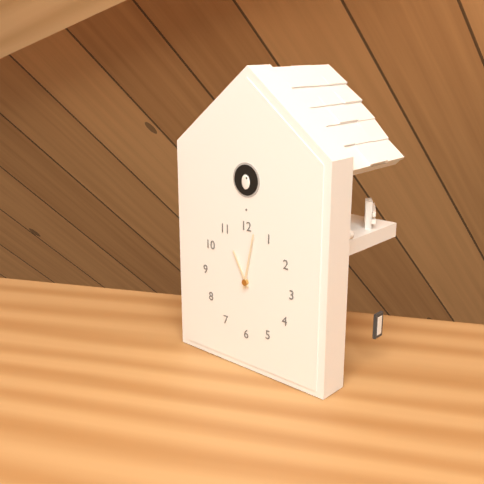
11,02
